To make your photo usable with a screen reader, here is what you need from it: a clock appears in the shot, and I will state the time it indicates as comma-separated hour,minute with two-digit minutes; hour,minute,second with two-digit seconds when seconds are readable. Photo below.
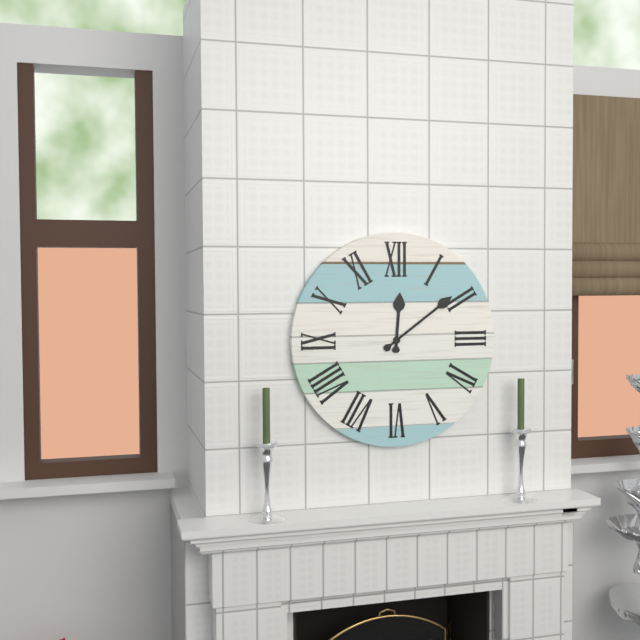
12,09
